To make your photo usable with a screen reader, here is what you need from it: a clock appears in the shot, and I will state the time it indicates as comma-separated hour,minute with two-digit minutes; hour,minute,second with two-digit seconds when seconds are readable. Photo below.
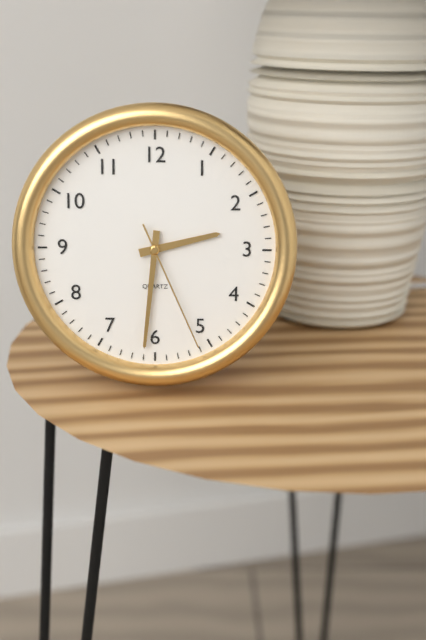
2,31,26
